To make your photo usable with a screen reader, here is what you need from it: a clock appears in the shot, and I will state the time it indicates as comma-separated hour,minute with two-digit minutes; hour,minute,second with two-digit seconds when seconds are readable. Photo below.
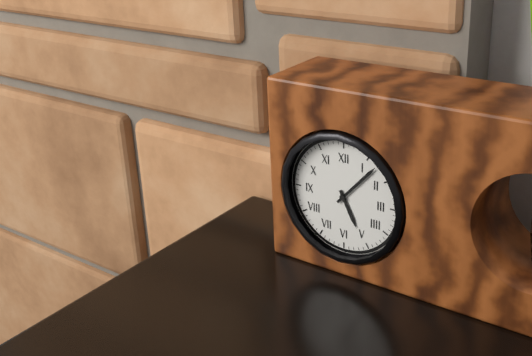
5,07
